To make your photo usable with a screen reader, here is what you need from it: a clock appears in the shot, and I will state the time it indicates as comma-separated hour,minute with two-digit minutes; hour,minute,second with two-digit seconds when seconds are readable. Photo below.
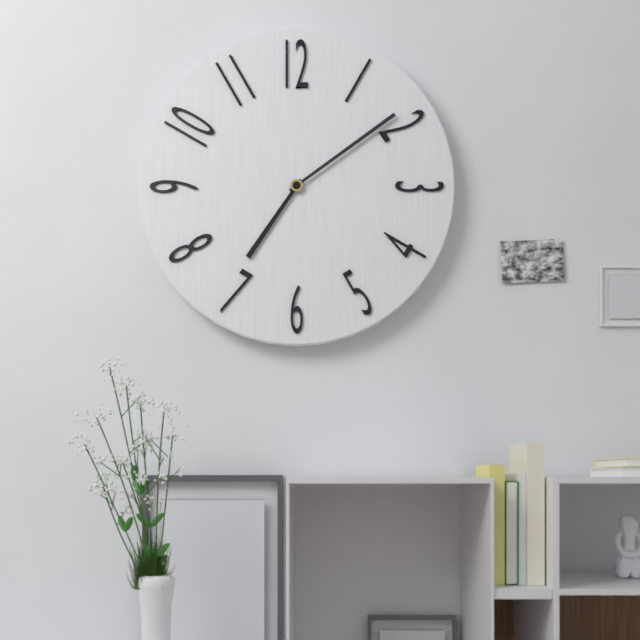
7,09
